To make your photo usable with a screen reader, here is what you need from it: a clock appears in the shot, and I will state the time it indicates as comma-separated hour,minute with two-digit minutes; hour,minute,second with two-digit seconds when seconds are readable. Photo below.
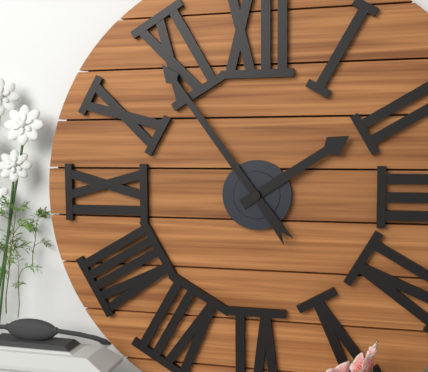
1,54
